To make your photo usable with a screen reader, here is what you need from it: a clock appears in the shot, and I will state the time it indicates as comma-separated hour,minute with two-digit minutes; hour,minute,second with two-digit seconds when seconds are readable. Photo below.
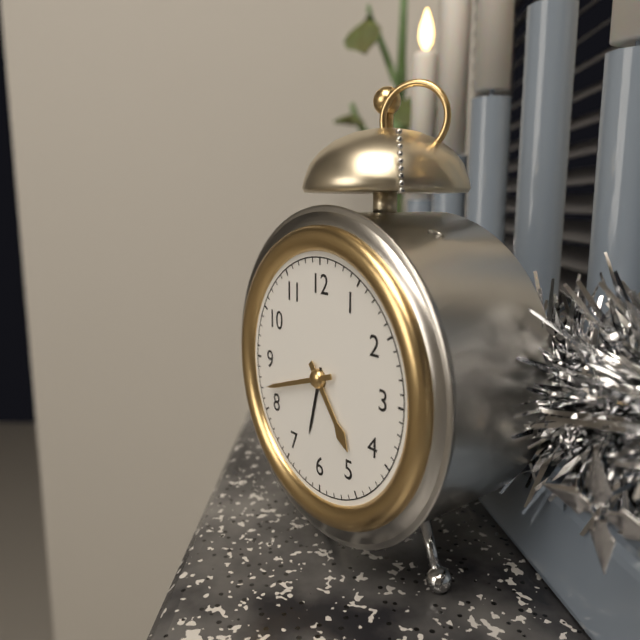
4,42
